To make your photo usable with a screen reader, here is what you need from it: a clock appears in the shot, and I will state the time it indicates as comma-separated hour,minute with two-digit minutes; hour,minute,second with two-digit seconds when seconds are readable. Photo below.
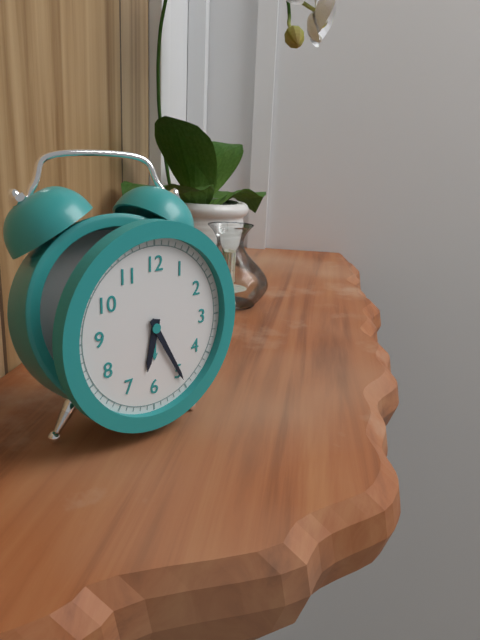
6,25
